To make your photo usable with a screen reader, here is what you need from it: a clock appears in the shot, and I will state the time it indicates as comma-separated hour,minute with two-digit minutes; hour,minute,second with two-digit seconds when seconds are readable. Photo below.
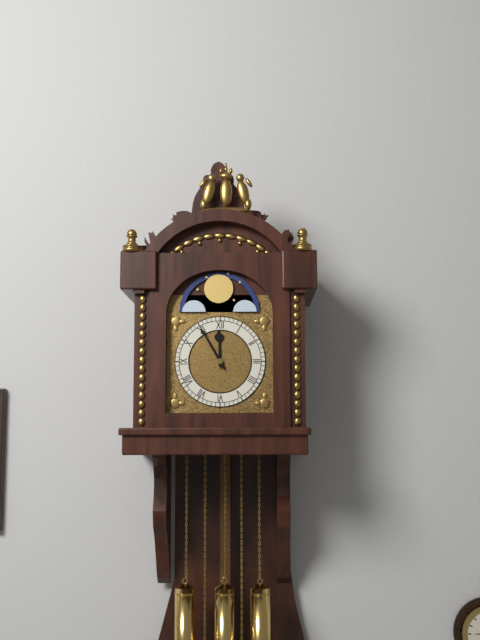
11,55
